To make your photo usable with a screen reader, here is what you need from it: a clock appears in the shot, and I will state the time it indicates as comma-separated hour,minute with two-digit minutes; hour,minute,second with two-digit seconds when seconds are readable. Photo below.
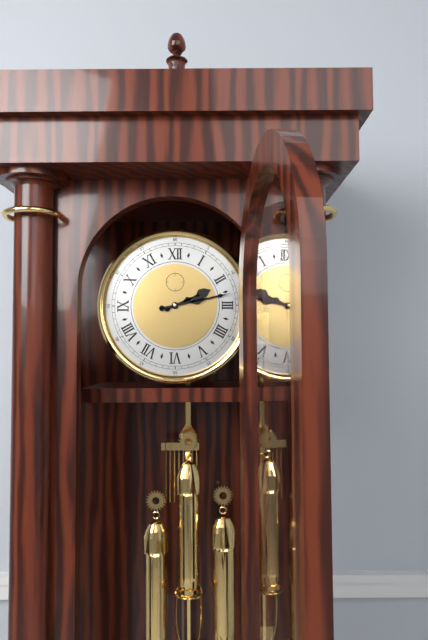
2,13
